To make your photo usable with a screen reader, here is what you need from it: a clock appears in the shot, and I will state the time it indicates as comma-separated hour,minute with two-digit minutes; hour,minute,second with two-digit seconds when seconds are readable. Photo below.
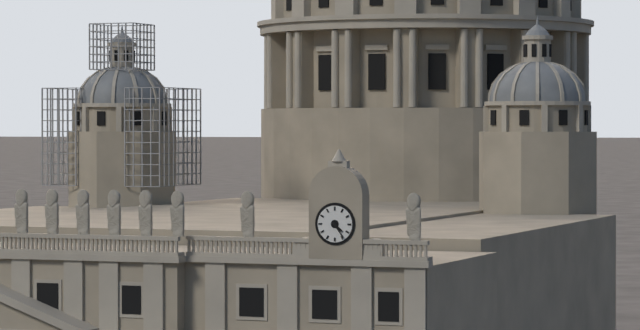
4,24
